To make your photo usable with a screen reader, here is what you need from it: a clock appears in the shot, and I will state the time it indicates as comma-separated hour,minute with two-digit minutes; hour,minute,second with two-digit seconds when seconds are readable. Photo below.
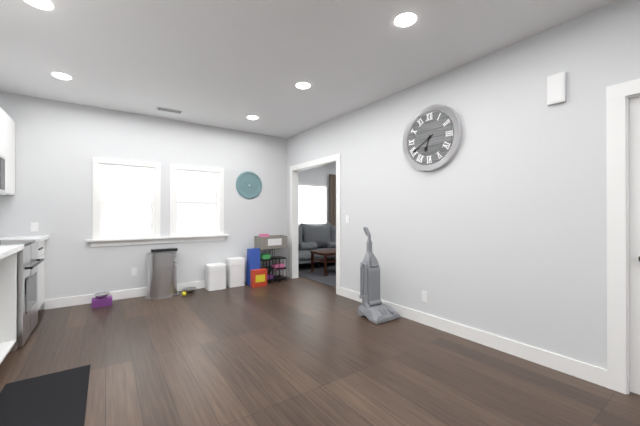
6,40
